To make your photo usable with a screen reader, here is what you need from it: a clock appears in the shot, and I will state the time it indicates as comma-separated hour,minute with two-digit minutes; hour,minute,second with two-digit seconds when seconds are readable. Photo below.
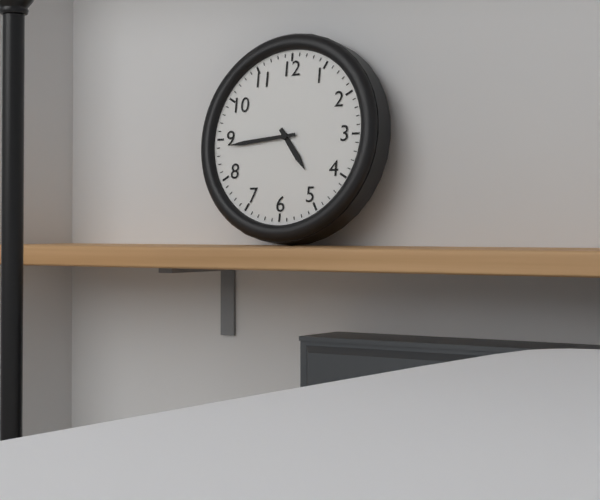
4,44
